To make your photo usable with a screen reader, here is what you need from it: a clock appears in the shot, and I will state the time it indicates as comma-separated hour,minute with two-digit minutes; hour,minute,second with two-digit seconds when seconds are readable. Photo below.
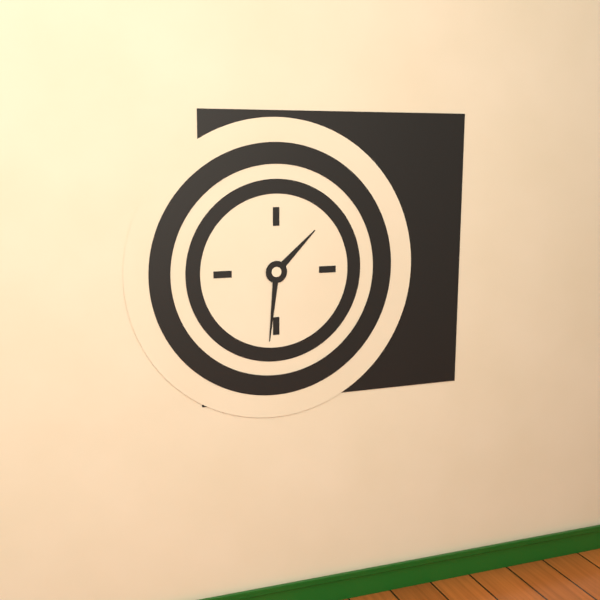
1,31
